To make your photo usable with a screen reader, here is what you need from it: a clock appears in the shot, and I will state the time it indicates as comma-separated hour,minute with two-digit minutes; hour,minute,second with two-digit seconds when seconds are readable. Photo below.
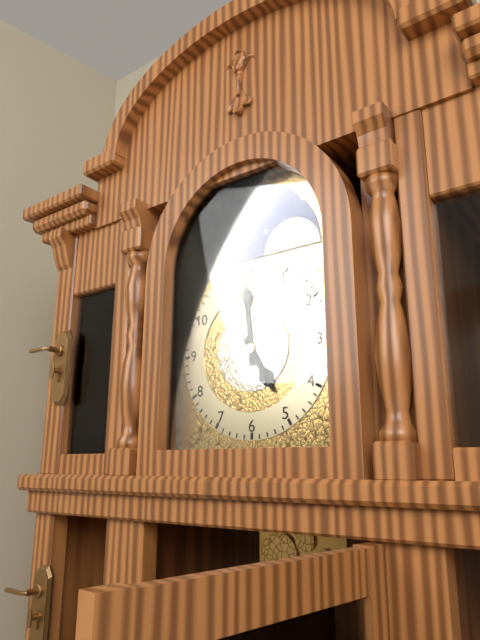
4,59
